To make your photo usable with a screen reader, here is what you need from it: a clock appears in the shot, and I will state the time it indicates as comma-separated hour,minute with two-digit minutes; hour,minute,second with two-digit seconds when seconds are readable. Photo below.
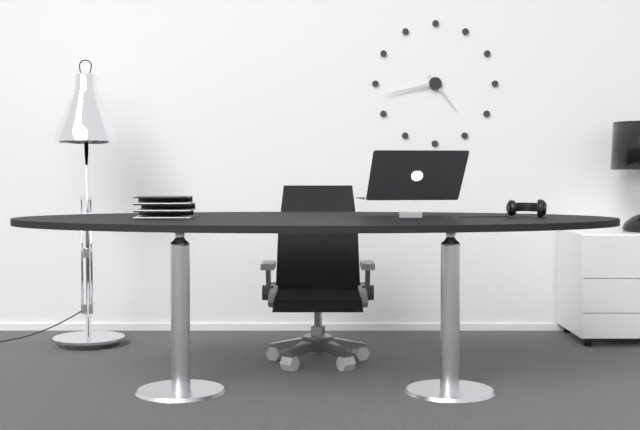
4,43
